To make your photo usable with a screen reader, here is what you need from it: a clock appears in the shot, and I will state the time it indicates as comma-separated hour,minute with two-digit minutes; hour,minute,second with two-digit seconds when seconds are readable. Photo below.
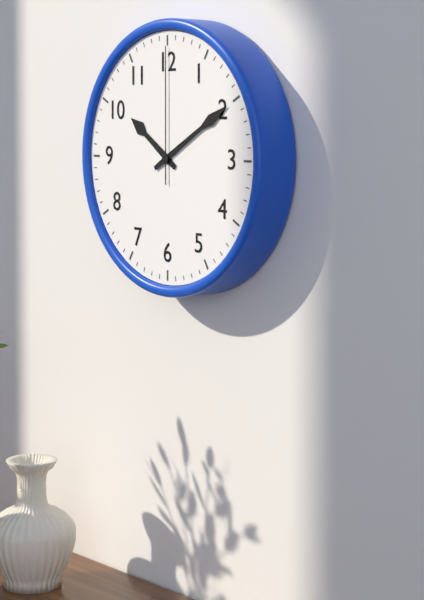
10,10,00
